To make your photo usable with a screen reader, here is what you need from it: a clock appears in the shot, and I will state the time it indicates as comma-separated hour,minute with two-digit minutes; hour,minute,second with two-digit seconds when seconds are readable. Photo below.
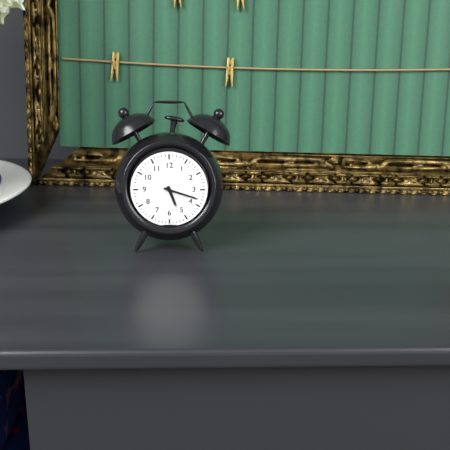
5,18
